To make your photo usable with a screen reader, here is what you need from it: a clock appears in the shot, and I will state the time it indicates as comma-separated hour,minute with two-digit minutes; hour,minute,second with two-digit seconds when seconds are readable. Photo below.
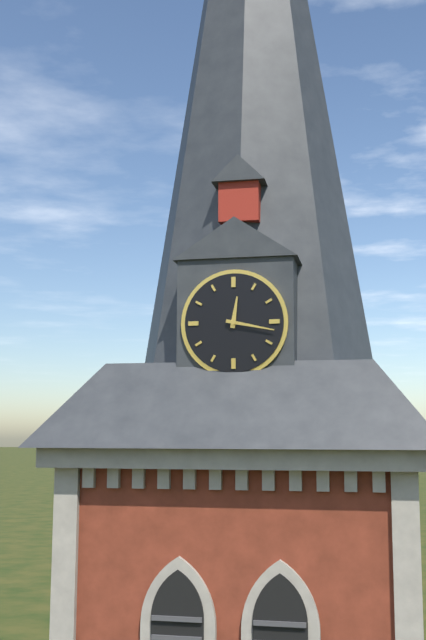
12,17
